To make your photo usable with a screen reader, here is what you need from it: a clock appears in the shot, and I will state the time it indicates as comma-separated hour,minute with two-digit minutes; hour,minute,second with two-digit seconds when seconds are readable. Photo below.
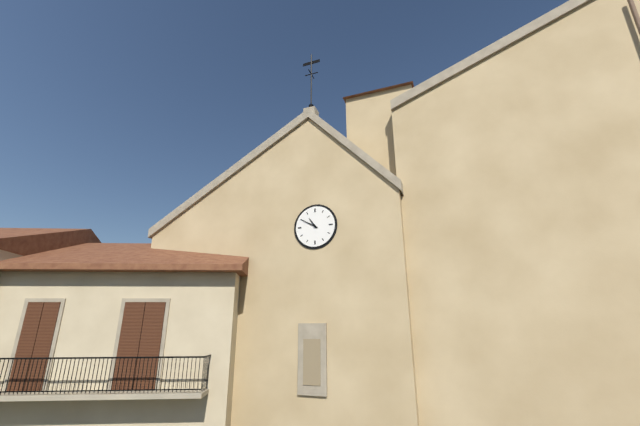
10,50
